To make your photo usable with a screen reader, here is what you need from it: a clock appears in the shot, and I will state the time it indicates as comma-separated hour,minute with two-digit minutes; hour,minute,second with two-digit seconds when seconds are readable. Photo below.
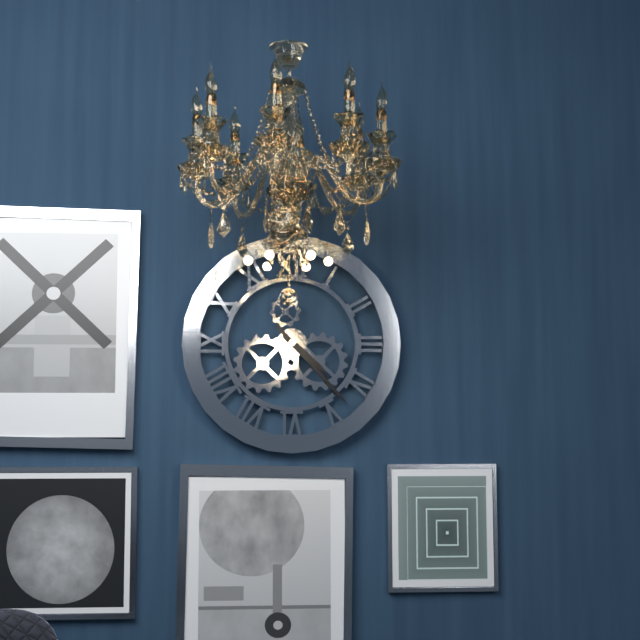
4,23
